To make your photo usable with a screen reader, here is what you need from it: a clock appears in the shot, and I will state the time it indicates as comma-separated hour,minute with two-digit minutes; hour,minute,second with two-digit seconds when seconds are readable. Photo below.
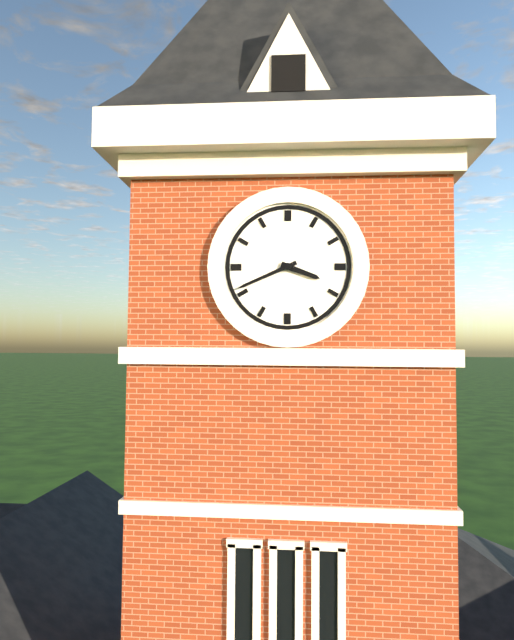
3,41
